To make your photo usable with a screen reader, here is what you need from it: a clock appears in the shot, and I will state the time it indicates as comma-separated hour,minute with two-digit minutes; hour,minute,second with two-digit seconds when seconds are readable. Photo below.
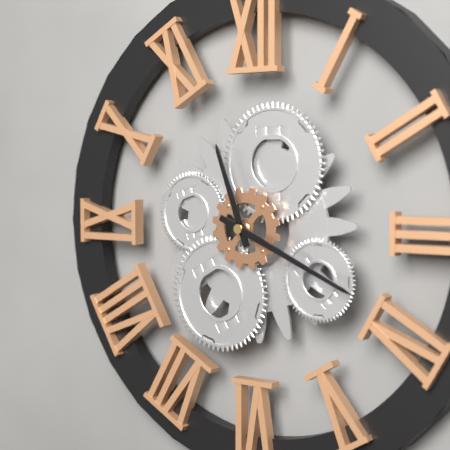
11,19
